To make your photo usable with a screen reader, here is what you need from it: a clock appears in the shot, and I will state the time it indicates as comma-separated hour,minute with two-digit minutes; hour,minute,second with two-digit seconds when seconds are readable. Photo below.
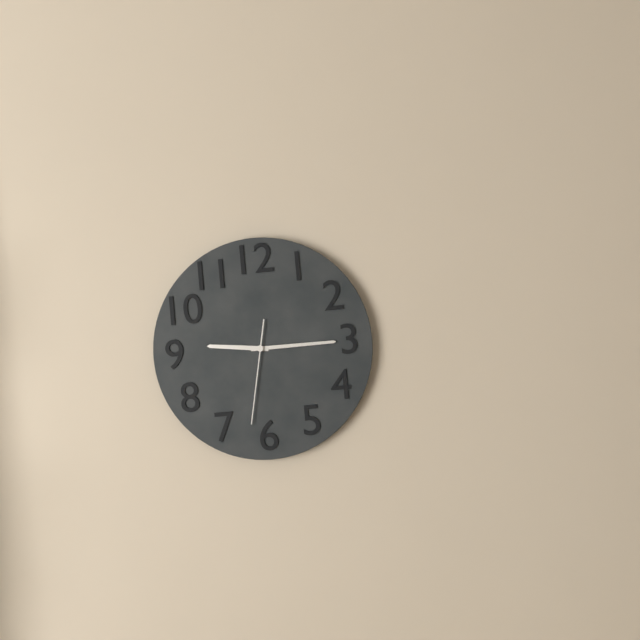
9,15,32
